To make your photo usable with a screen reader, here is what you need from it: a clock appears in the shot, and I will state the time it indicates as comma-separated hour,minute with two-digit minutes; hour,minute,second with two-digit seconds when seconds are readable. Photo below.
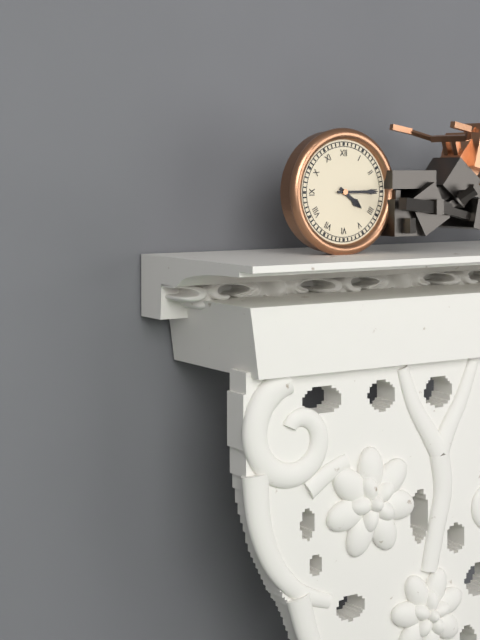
4,15
